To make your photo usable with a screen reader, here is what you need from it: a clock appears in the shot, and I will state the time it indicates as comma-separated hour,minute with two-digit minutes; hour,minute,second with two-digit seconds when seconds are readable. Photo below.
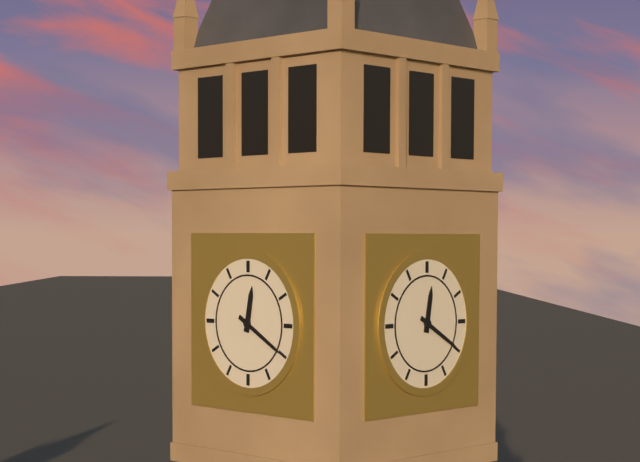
12,20
